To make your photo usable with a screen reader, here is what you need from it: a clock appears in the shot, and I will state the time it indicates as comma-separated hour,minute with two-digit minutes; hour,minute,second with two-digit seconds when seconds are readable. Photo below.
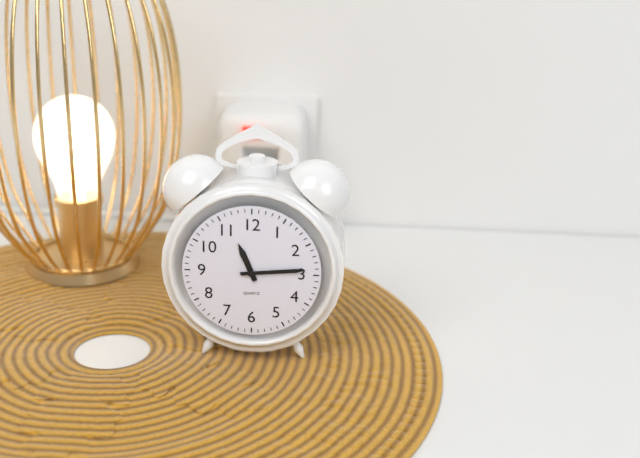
11,14
